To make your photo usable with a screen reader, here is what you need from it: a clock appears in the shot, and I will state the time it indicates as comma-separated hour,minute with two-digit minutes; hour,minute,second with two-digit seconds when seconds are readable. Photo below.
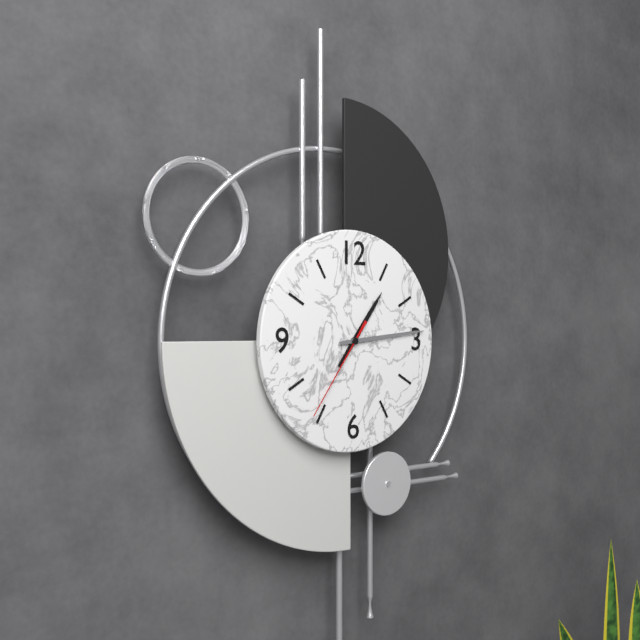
1,14,36
